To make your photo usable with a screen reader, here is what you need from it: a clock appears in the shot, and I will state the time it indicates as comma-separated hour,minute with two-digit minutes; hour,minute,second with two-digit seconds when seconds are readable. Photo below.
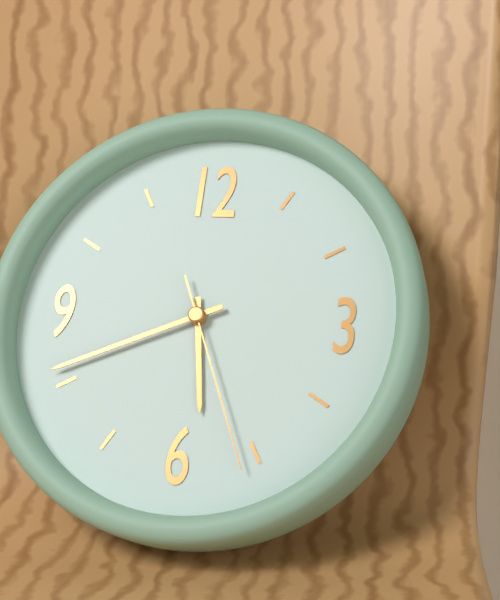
5,41,26
